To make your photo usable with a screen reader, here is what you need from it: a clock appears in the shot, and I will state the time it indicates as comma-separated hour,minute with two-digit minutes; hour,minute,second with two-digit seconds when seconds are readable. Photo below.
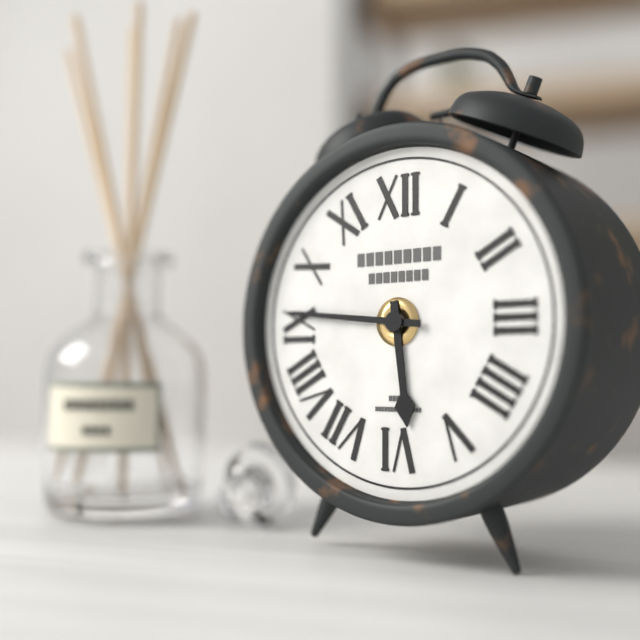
5,46
